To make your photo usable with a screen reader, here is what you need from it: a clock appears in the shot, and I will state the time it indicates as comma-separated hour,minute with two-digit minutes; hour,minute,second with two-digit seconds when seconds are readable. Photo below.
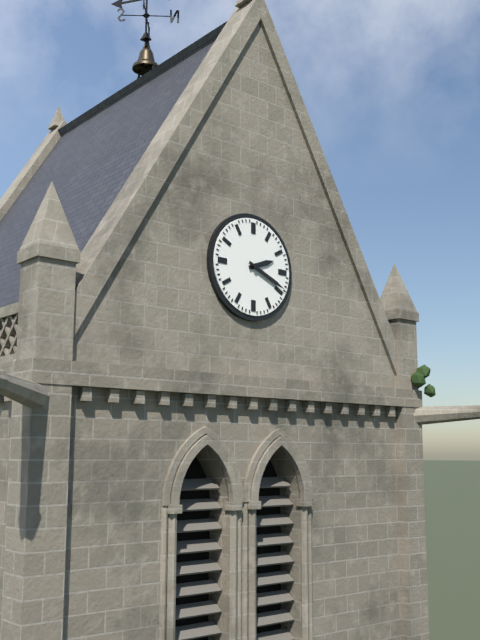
2,19
